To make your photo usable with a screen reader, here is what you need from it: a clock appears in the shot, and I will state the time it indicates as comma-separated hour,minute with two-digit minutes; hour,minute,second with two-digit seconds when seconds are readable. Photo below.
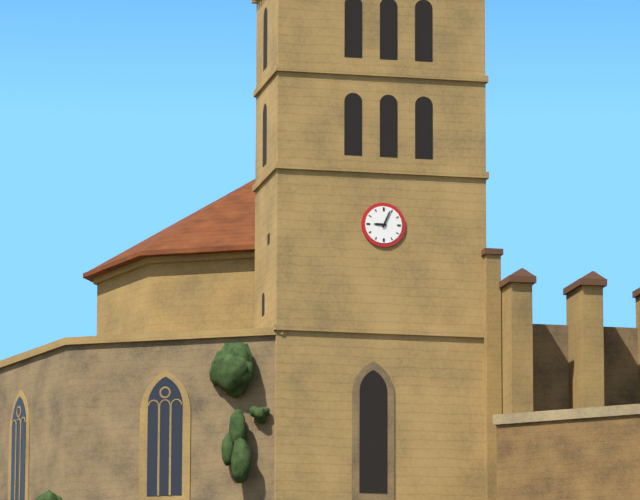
9,04
